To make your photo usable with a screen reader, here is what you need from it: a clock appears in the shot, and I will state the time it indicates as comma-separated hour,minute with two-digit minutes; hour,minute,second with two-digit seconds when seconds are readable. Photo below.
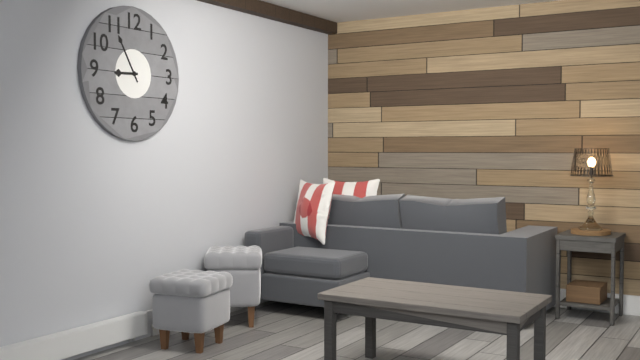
8,55
